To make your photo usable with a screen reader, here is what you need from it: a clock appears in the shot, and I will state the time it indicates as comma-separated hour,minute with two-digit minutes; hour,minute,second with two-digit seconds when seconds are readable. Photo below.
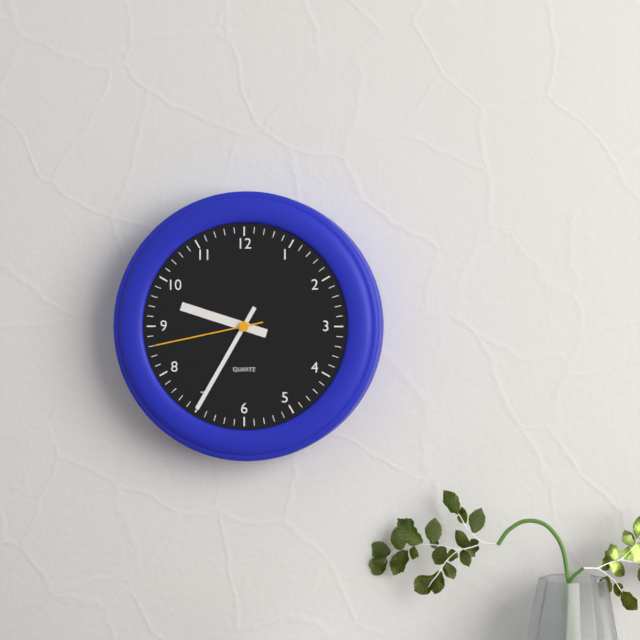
9,35,43
